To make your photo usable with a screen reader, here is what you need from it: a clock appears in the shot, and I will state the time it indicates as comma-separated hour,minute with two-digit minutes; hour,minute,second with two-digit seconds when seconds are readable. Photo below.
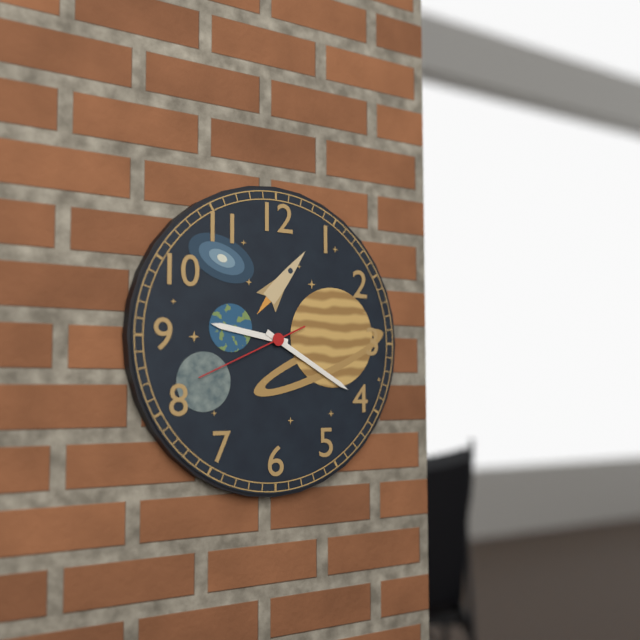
9,20,41
